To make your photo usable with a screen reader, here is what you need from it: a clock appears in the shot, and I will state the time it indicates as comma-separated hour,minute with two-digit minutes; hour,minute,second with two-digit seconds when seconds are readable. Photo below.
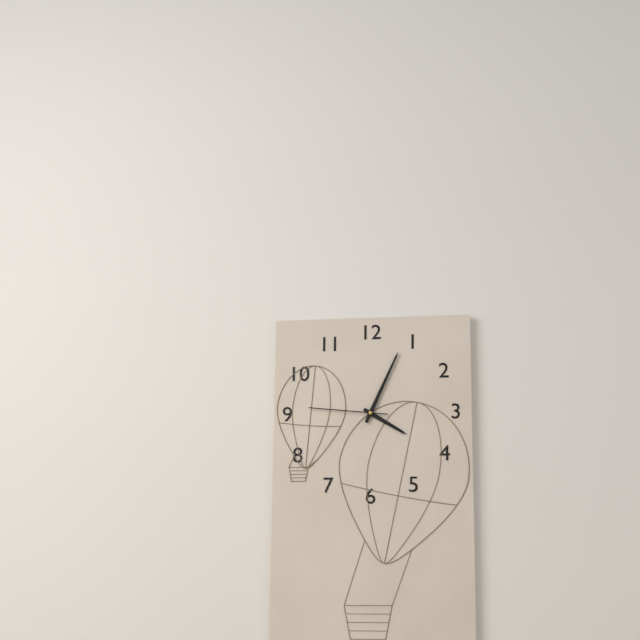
4,04,46
